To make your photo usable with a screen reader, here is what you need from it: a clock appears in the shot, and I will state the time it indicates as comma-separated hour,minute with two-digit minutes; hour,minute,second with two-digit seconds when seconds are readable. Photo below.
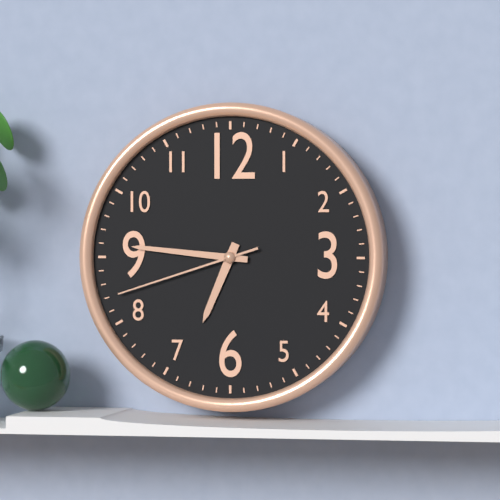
6,46,42
